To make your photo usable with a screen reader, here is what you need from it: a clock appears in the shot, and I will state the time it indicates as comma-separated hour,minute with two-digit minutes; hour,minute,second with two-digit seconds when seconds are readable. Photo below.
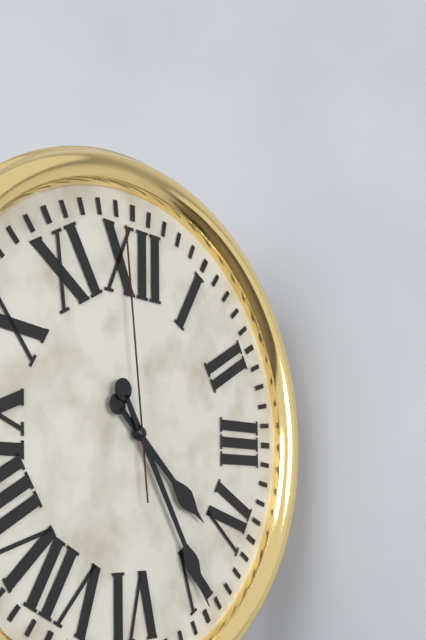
4,25,59
